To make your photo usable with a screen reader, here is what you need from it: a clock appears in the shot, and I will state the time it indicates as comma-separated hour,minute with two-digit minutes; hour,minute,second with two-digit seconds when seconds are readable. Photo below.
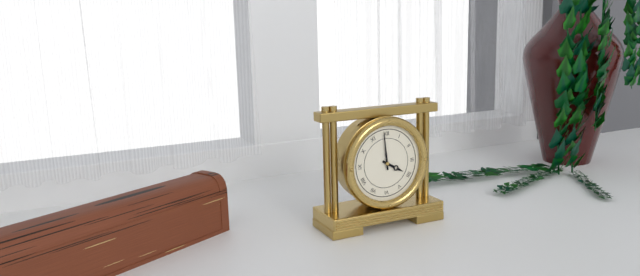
3,59
